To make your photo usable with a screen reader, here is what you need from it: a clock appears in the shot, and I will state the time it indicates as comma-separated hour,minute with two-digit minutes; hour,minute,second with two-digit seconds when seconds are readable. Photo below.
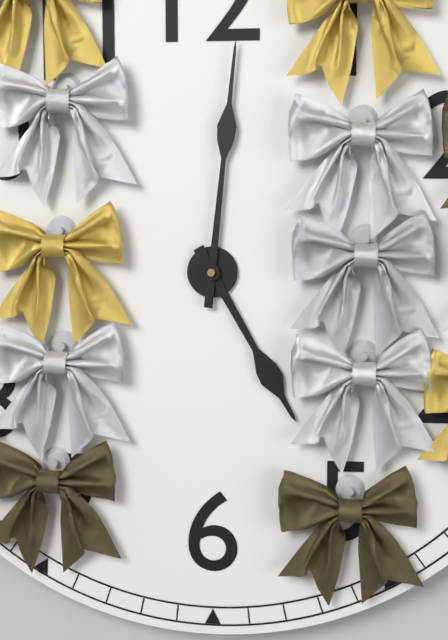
5,01
